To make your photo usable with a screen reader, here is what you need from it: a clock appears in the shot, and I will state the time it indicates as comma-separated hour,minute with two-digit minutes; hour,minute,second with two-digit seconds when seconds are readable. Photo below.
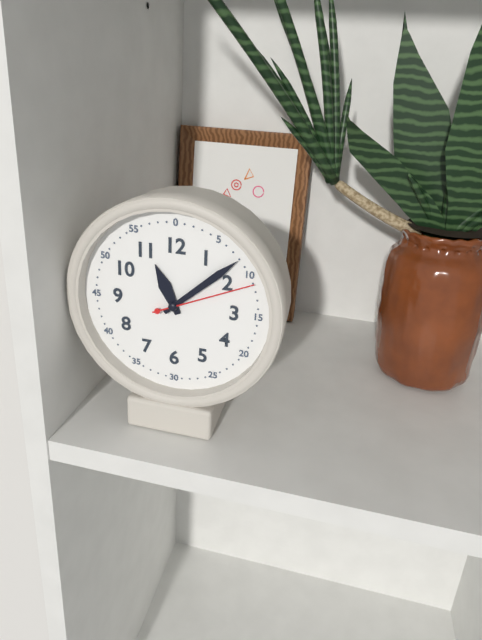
11,08,11
